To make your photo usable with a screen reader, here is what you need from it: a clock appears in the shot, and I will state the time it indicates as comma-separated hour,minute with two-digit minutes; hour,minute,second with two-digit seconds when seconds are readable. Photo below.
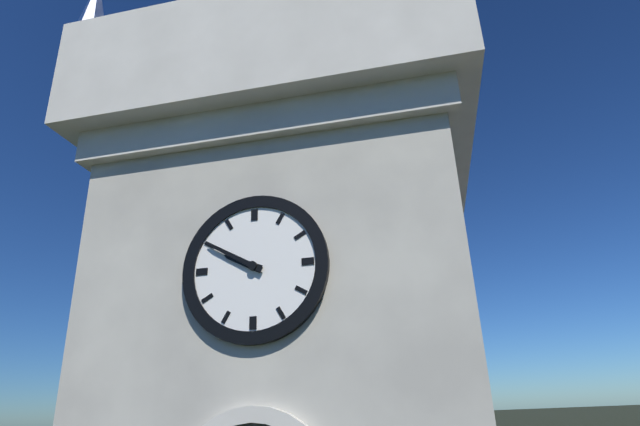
9,50
